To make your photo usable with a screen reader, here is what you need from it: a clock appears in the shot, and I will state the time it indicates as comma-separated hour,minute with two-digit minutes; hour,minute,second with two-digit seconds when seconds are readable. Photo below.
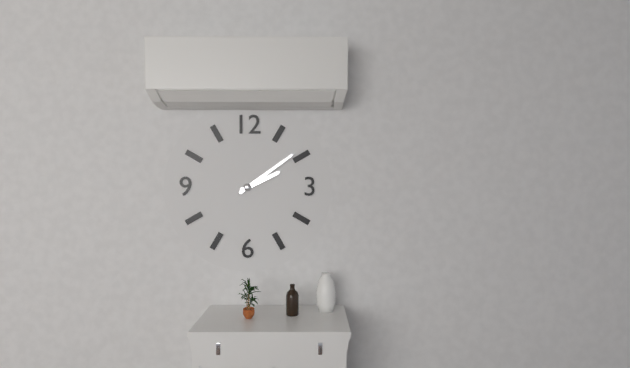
2,09
